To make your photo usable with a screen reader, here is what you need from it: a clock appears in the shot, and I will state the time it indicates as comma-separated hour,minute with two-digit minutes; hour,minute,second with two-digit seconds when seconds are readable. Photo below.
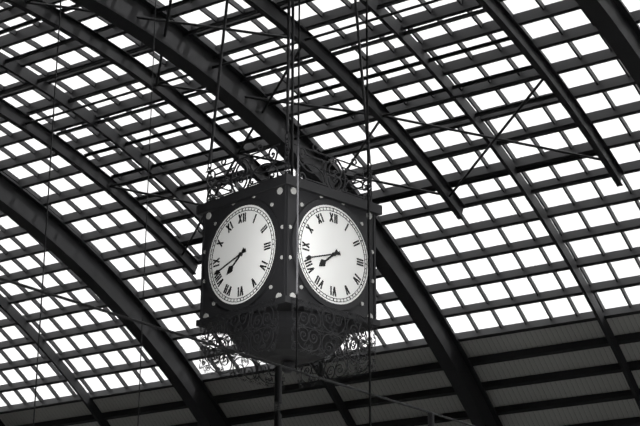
7,42
